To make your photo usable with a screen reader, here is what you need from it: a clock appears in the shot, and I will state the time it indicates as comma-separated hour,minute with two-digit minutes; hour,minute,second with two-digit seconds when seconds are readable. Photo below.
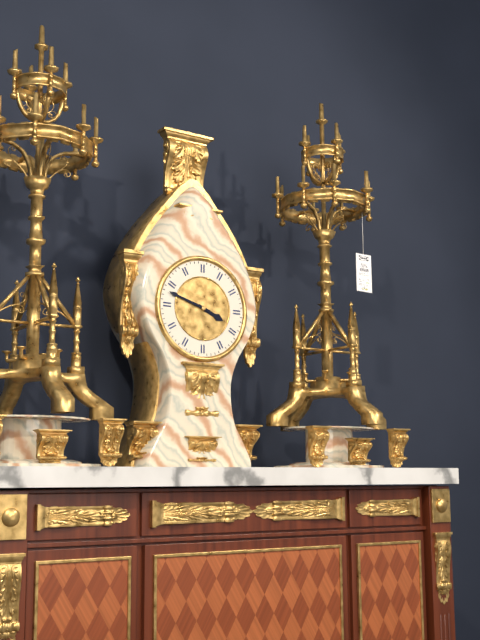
3,48
